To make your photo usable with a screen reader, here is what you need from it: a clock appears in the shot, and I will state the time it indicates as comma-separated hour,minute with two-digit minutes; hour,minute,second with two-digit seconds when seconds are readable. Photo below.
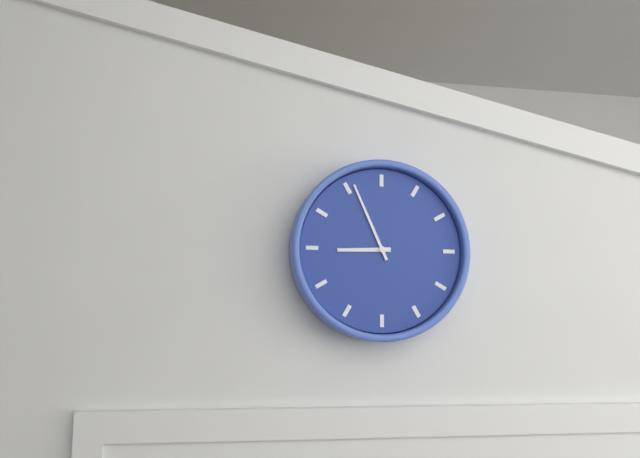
8,56
